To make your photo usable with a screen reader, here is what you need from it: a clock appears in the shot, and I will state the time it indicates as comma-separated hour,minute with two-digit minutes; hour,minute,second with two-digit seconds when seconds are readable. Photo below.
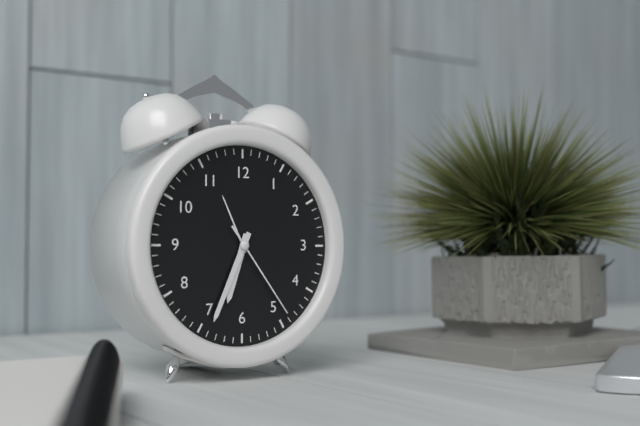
6,34,24
